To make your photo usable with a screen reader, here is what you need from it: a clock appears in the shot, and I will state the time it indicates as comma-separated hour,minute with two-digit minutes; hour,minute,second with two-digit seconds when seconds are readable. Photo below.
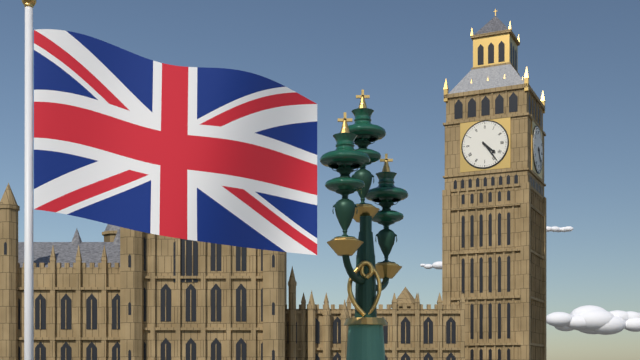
4,24
